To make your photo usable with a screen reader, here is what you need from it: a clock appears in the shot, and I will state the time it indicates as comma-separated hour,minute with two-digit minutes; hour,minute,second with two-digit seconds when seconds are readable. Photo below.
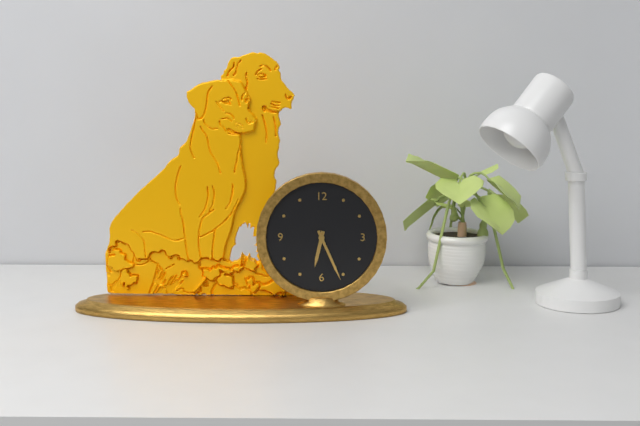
6,26
